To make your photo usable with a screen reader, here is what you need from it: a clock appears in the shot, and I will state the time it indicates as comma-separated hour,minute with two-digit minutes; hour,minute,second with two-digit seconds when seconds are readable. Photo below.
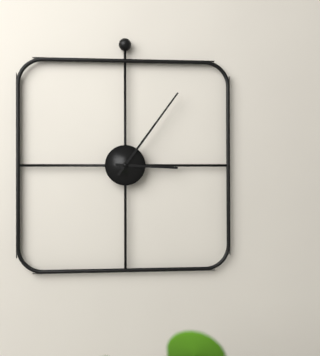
3,06
